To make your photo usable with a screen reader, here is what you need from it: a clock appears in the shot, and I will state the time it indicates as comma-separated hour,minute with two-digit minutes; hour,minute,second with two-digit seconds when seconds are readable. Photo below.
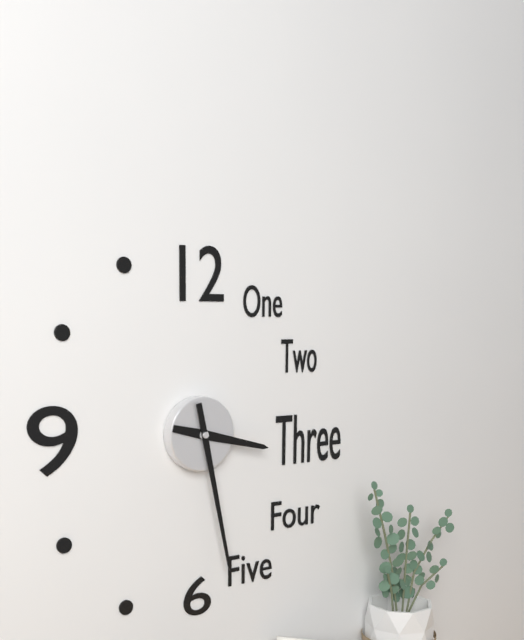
3,28
